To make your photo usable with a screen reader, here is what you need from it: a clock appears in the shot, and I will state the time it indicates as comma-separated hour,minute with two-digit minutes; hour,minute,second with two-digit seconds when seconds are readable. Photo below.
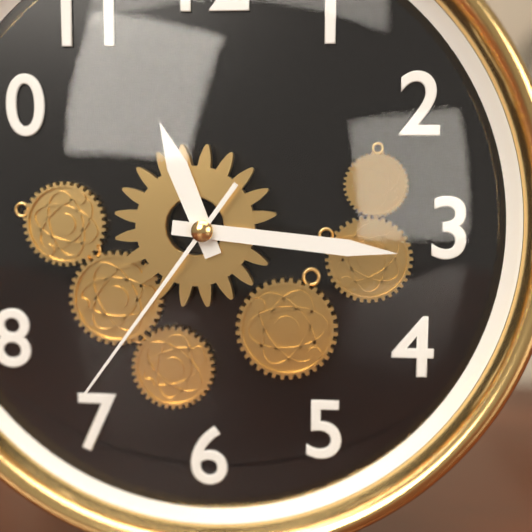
11,16,36
